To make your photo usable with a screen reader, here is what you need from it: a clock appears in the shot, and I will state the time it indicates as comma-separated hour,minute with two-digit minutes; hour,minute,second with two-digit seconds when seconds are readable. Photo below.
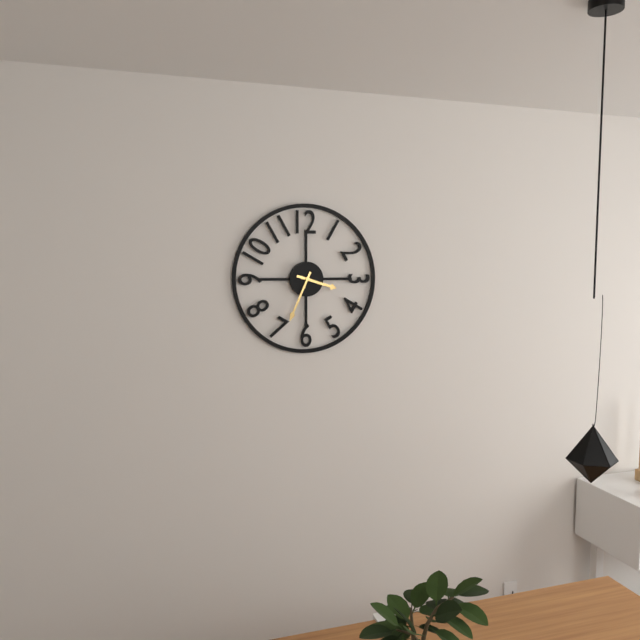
3,34
